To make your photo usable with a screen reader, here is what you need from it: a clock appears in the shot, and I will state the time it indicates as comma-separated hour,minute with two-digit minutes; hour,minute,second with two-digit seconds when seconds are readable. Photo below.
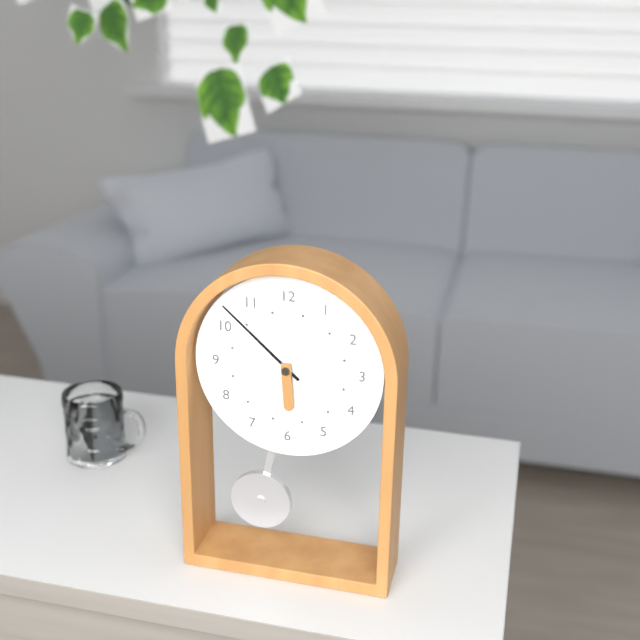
5,52
